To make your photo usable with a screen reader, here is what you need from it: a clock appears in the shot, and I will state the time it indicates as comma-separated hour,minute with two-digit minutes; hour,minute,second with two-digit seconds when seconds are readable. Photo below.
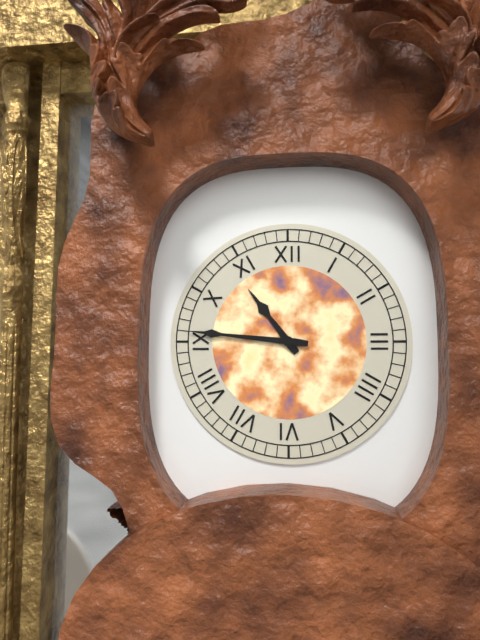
10,46
